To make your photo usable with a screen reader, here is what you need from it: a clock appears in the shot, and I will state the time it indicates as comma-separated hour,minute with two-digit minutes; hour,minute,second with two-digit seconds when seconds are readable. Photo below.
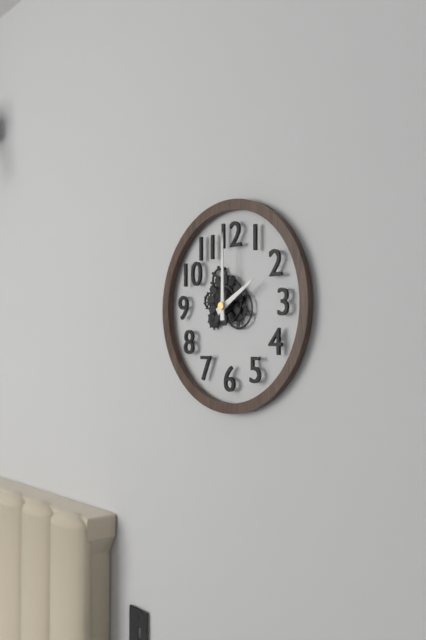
2,00
